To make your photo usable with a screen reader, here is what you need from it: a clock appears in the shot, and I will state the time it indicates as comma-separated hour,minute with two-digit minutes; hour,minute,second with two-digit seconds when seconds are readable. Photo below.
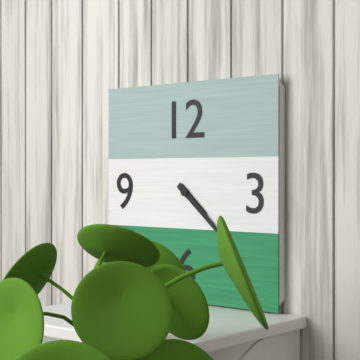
4,22
